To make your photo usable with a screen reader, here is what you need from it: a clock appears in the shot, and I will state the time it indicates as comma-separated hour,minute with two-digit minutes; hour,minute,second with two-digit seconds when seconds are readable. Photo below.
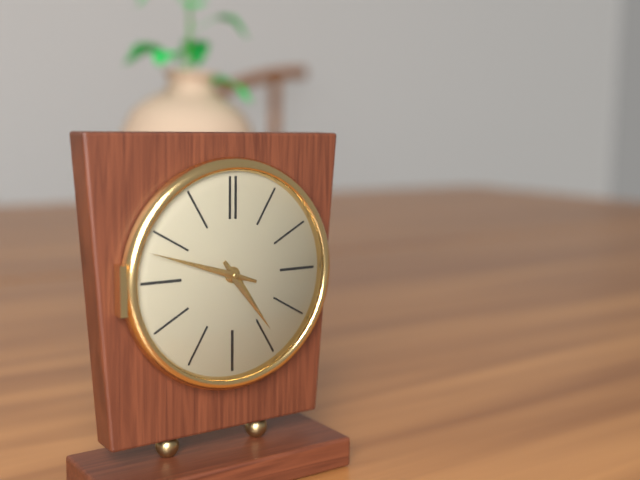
4,48
